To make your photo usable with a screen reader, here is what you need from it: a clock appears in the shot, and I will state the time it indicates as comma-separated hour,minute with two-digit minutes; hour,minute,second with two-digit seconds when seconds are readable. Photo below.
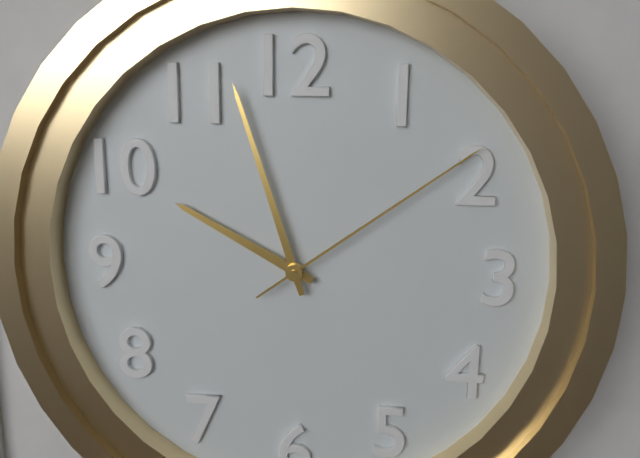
9,57,09
